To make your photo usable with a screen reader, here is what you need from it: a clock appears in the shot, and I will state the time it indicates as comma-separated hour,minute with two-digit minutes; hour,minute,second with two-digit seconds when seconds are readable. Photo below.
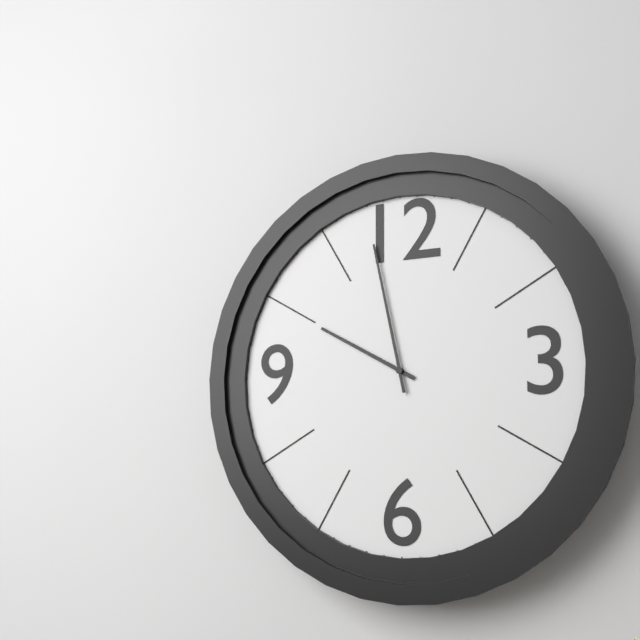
9,58
